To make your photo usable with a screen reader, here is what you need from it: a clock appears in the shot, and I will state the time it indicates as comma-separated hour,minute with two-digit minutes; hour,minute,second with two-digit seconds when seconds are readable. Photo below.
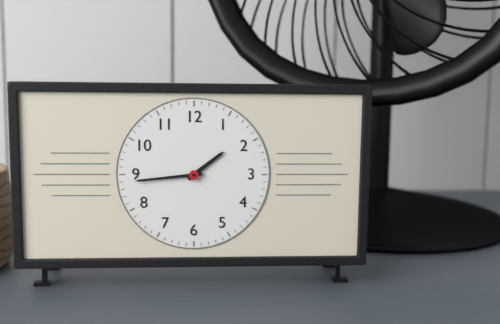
1,44
